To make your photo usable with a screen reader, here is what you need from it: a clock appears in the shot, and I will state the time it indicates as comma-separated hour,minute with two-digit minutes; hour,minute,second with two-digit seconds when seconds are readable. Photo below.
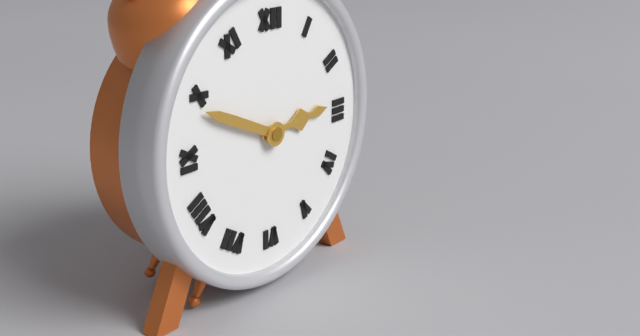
2,49
